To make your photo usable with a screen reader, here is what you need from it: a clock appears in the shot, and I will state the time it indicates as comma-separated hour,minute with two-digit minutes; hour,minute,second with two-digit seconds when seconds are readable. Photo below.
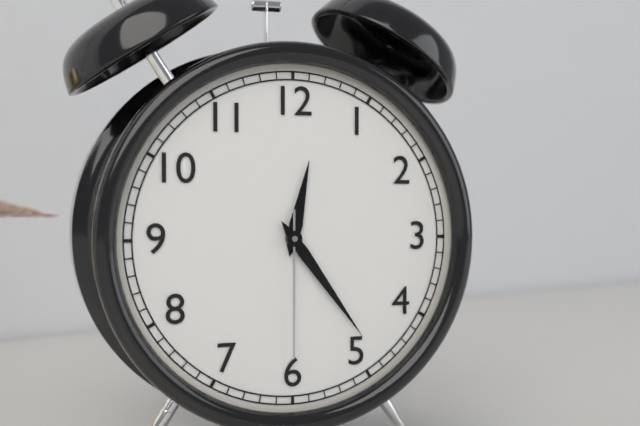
12,24,30
